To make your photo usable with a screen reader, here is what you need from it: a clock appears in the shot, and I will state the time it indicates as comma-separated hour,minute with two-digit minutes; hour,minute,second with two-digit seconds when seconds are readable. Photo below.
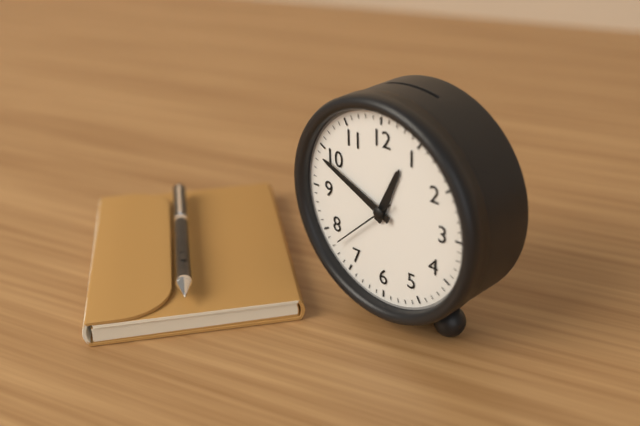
12,49,38
